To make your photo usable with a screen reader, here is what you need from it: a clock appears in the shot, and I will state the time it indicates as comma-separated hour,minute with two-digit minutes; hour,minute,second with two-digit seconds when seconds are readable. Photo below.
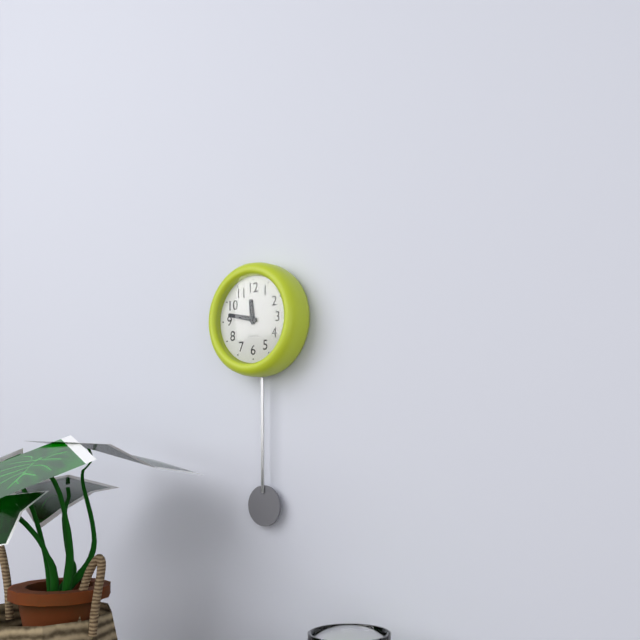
11,47
